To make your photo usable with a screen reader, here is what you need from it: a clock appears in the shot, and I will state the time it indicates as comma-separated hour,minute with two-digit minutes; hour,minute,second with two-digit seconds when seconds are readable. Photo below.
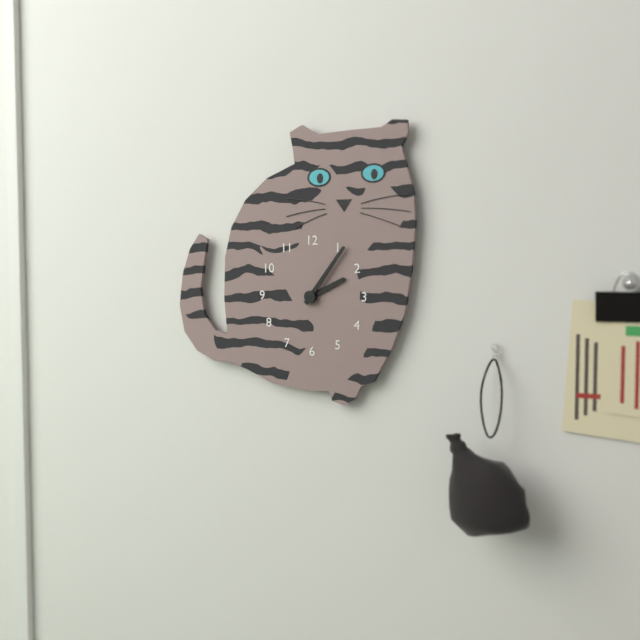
2,06
